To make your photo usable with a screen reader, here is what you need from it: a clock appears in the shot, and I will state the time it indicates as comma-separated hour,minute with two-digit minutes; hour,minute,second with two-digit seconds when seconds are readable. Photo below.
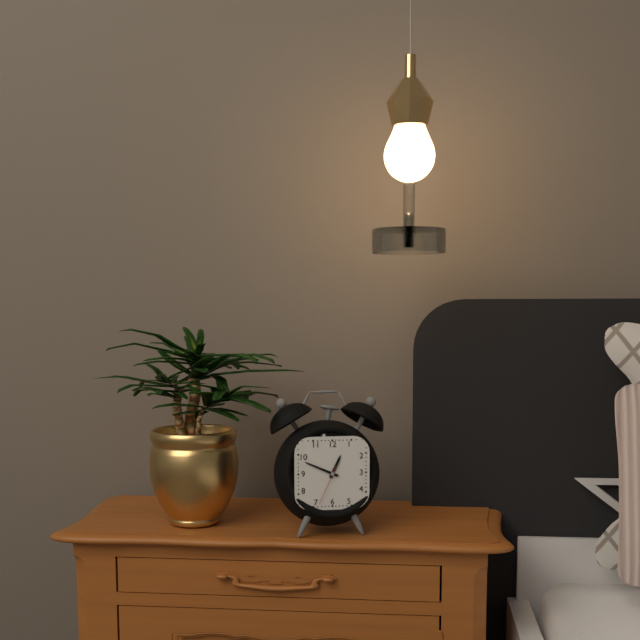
12,49
